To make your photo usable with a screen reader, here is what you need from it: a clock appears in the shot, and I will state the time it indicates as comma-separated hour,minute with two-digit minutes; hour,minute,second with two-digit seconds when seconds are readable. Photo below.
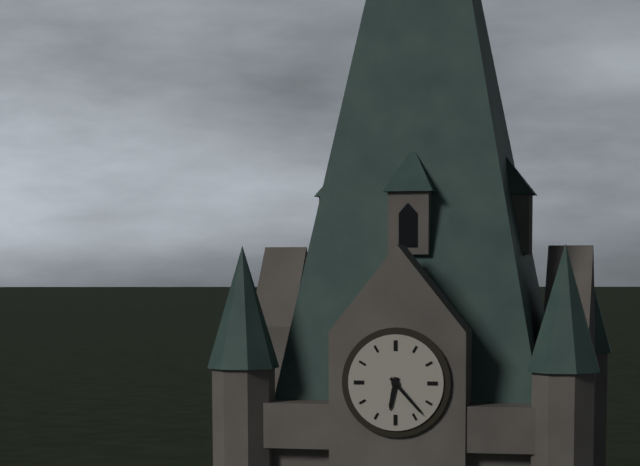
6,23
